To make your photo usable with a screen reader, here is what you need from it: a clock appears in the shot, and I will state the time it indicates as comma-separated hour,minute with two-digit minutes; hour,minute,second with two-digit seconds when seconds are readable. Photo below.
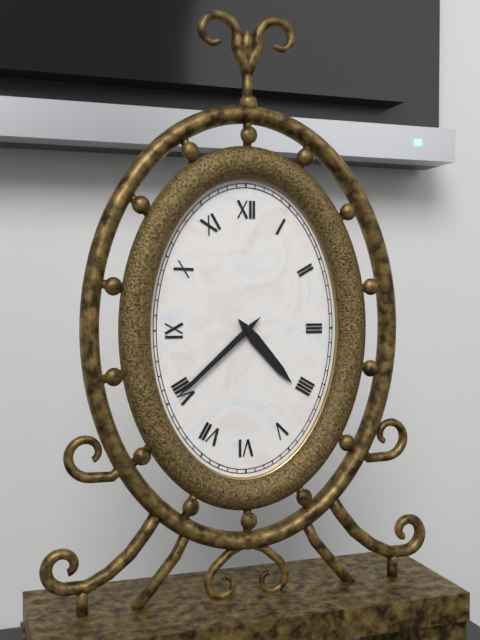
4,38
